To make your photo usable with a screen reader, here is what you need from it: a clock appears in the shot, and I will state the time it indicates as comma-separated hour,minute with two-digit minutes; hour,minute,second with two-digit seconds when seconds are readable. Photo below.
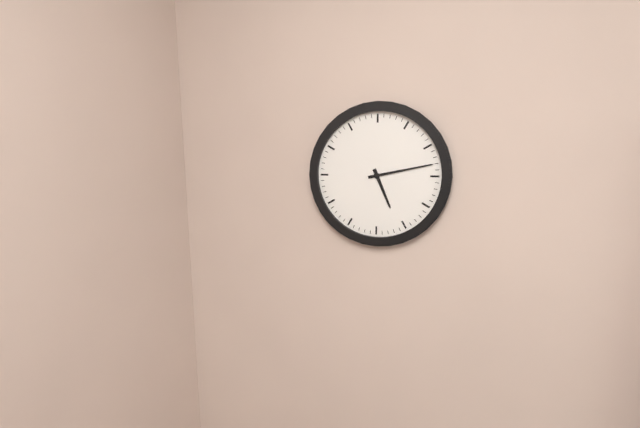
5,13
